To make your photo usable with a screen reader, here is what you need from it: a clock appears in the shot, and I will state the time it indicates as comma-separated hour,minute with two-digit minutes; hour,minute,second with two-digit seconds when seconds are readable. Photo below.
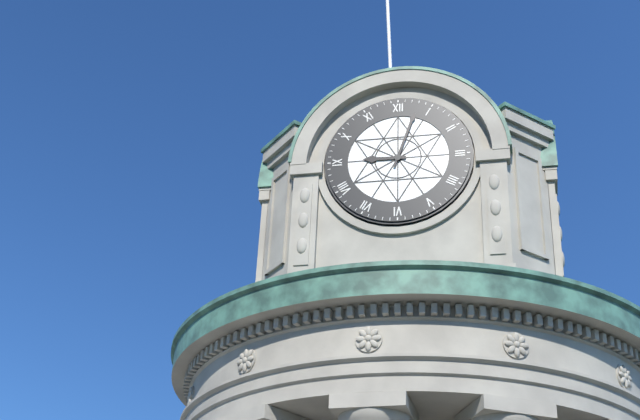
9,03
